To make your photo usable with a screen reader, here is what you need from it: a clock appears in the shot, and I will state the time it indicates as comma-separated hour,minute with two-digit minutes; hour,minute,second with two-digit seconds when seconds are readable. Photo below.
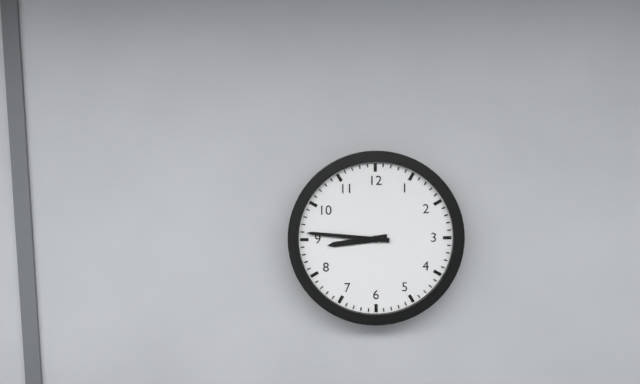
8,46
